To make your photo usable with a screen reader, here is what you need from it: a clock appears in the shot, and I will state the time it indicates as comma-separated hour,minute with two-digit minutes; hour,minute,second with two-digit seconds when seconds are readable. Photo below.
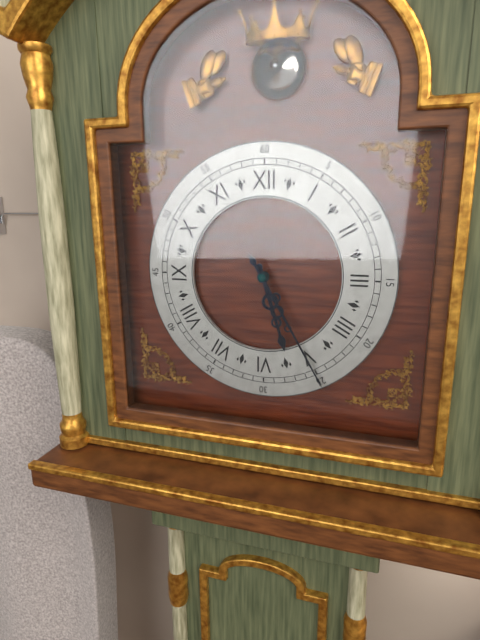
5,25
